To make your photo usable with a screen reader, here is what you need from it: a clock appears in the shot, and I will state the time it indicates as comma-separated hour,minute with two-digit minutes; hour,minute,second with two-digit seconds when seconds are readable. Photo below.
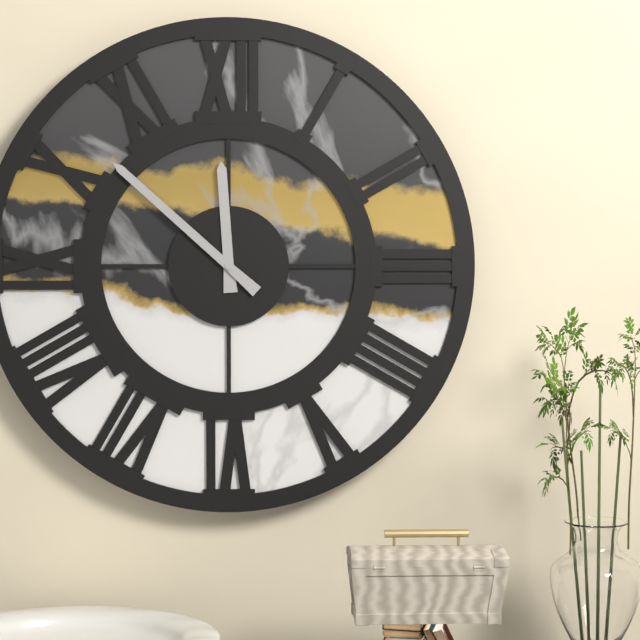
11,52
